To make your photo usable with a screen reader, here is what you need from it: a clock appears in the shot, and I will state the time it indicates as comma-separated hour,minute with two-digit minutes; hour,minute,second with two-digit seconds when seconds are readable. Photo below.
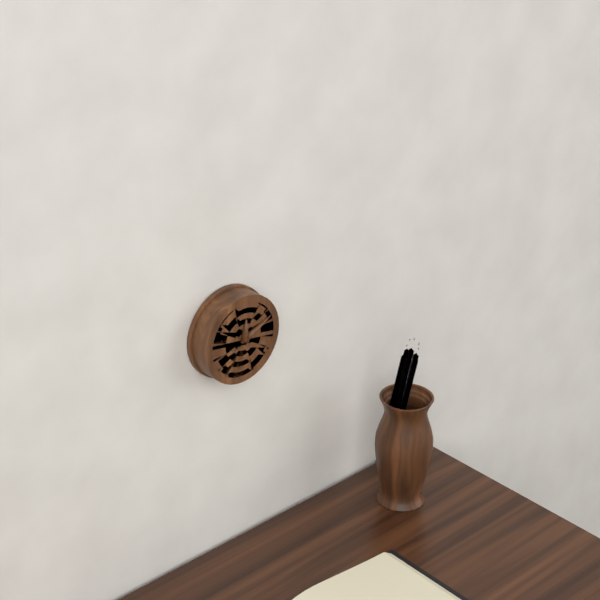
12,11
